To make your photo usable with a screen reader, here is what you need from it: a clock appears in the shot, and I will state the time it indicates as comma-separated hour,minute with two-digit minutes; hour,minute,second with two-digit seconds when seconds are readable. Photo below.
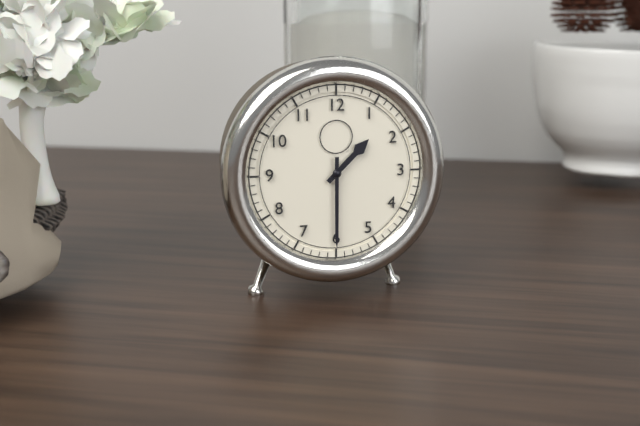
1,30
